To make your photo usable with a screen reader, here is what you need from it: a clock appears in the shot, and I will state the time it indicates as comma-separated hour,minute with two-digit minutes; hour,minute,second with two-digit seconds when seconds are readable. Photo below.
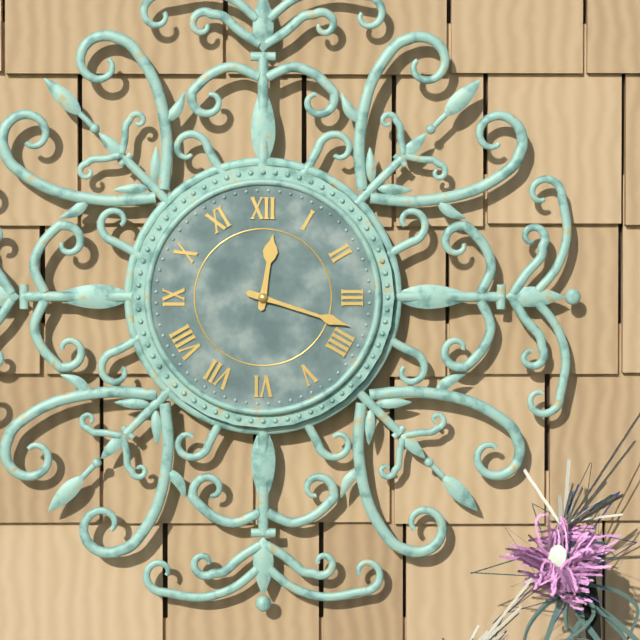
12,18
